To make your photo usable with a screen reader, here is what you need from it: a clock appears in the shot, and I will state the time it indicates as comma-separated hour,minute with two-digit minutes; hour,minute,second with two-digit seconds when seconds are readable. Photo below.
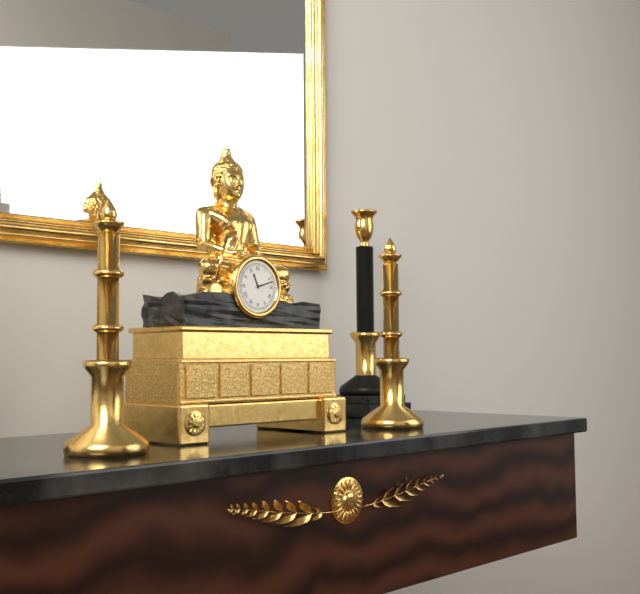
11,12
